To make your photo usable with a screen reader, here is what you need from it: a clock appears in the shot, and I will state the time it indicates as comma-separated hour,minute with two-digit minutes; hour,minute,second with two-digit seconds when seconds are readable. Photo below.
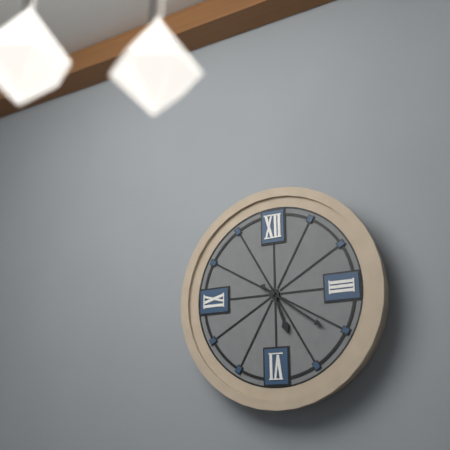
5,21
